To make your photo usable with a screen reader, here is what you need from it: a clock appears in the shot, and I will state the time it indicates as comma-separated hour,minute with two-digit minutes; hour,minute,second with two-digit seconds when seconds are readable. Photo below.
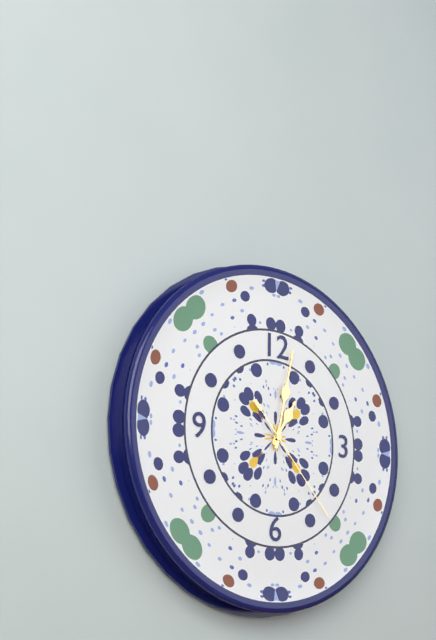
1,02,23
